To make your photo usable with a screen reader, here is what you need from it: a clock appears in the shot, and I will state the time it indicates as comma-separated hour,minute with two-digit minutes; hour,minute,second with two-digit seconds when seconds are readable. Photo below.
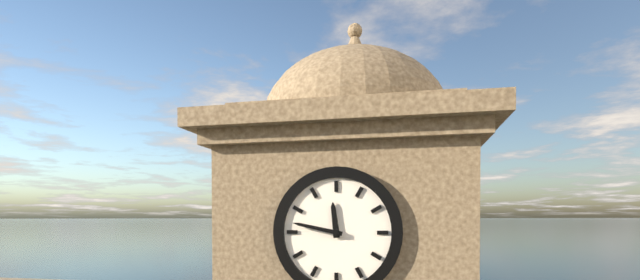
11,47
